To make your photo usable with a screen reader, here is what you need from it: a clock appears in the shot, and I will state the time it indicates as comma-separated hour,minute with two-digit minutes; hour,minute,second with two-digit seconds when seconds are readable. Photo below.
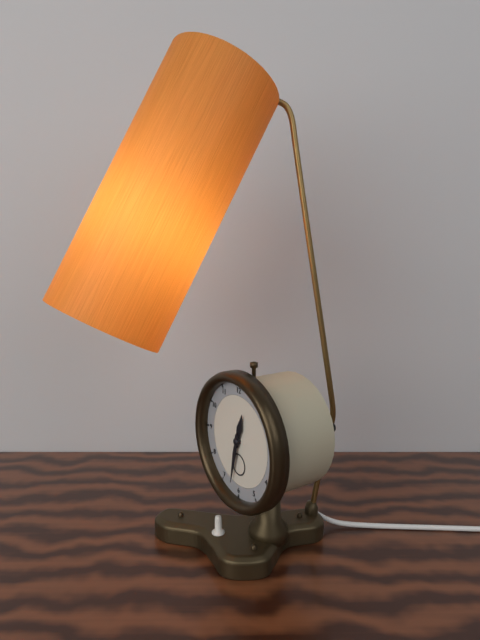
12,32
